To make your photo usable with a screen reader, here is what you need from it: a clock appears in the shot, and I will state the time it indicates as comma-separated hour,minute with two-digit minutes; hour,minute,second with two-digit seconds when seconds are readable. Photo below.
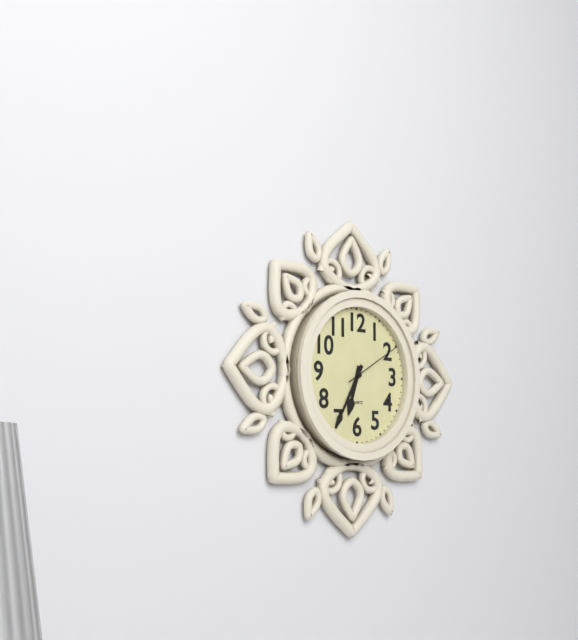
6,35,10
